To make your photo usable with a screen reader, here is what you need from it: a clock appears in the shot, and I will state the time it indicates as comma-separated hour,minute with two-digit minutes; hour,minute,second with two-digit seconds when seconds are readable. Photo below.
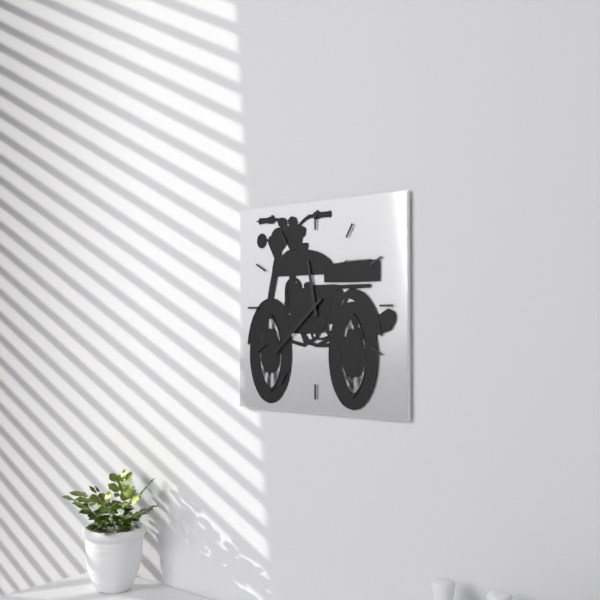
11,38
